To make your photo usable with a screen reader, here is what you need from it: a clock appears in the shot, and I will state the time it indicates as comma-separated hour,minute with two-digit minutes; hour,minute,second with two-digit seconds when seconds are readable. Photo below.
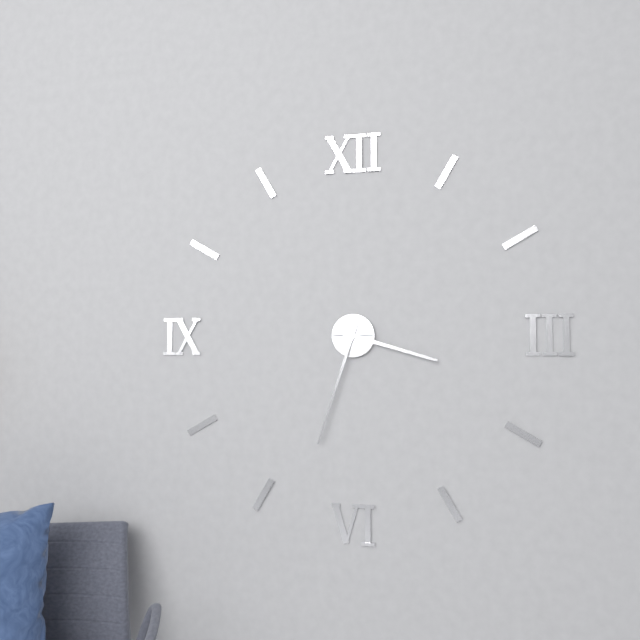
3,33
